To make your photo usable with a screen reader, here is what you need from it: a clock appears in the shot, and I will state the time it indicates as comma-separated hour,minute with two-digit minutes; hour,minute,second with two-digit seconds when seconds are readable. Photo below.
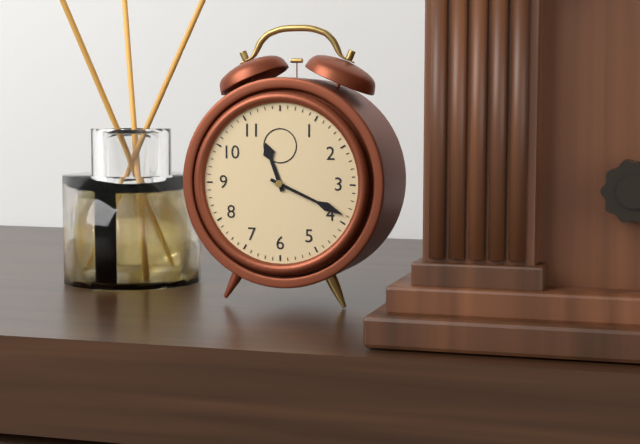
11,19
